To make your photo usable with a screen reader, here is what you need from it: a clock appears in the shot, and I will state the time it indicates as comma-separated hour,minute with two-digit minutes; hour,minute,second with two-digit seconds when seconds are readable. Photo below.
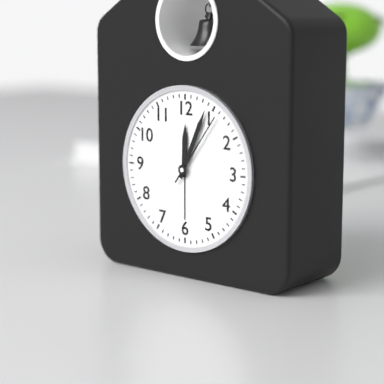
12,04,06
